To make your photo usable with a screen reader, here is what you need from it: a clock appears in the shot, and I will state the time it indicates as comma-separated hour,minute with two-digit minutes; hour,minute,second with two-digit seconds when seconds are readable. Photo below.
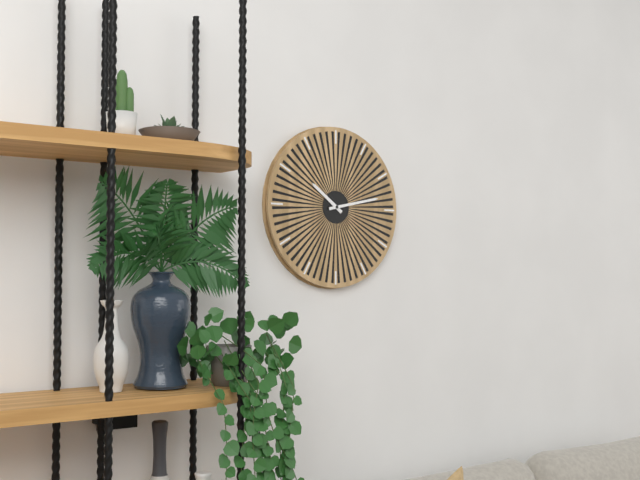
10,13
